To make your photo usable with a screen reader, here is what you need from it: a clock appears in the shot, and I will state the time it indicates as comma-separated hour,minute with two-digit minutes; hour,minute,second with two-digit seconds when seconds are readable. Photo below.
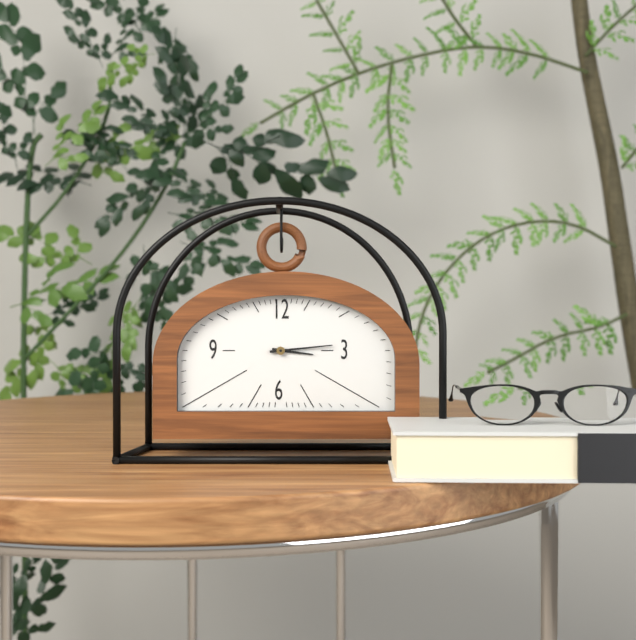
3,14
